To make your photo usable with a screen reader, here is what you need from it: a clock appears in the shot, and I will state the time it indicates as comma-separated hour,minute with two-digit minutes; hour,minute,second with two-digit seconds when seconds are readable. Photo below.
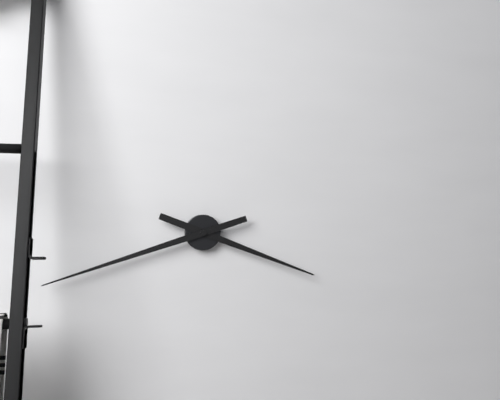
3,42
